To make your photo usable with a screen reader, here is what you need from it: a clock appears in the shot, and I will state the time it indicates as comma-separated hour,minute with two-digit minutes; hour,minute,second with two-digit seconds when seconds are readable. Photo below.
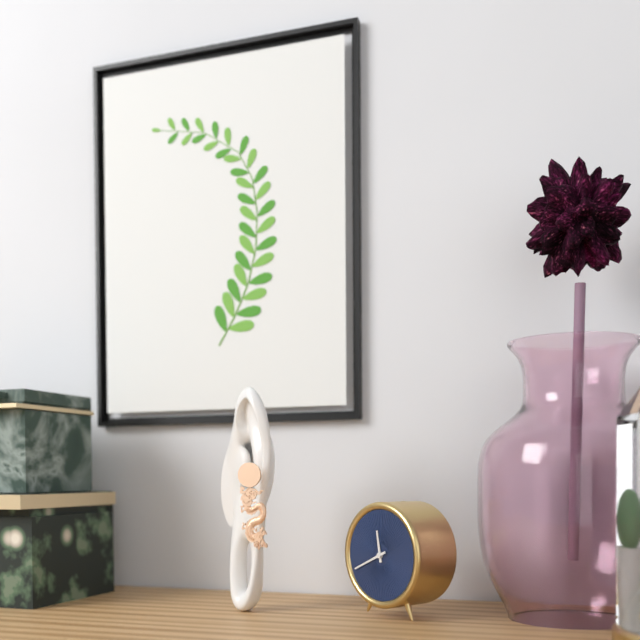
11,41
